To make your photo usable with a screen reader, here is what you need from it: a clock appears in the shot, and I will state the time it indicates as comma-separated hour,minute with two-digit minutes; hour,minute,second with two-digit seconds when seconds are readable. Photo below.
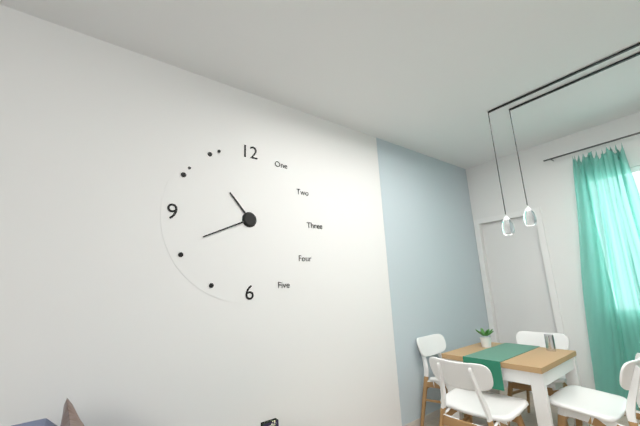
10,41
